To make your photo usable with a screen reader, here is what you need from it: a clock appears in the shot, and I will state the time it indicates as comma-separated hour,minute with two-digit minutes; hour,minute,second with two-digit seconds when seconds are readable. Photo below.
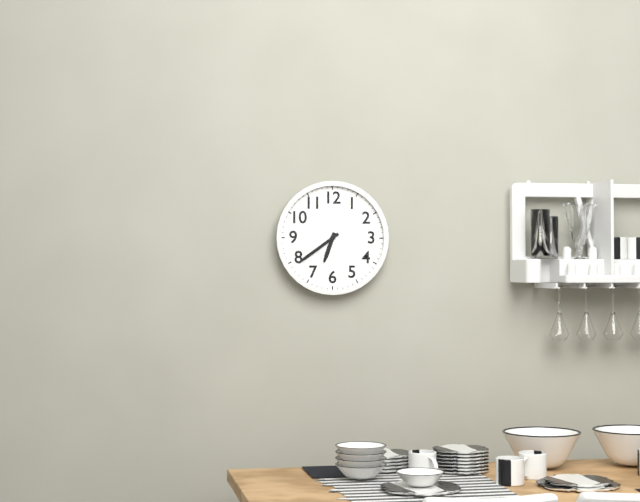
6,39
